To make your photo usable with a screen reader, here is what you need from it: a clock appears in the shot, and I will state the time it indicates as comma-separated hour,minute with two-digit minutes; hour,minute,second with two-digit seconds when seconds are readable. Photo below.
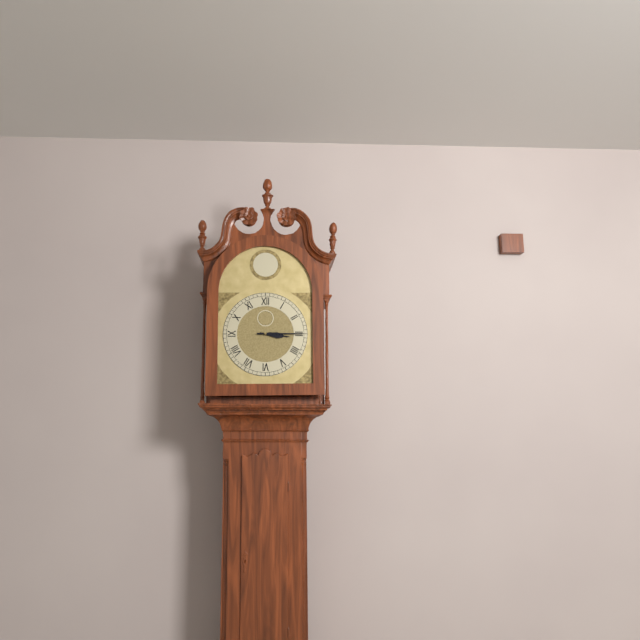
3,15
